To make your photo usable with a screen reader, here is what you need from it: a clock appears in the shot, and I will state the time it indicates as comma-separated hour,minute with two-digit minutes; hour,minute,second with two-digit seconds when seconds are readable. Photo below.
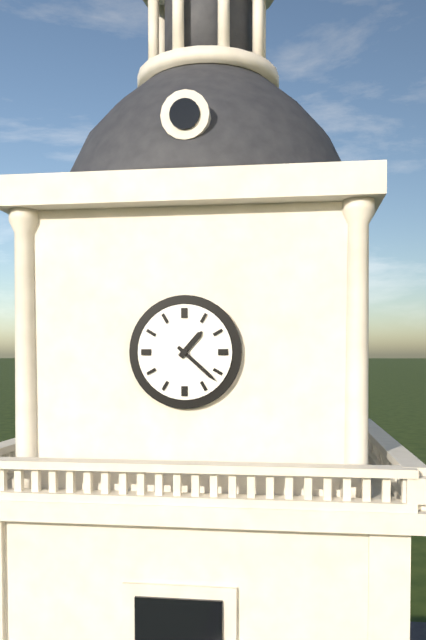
1,22
